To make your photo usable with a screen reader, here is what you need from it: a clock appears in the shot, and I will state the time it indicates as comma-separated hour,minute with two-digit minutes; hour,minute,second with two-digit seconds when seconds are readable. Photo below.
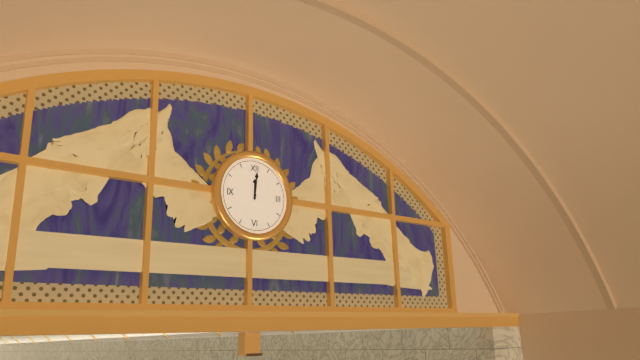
12,01
